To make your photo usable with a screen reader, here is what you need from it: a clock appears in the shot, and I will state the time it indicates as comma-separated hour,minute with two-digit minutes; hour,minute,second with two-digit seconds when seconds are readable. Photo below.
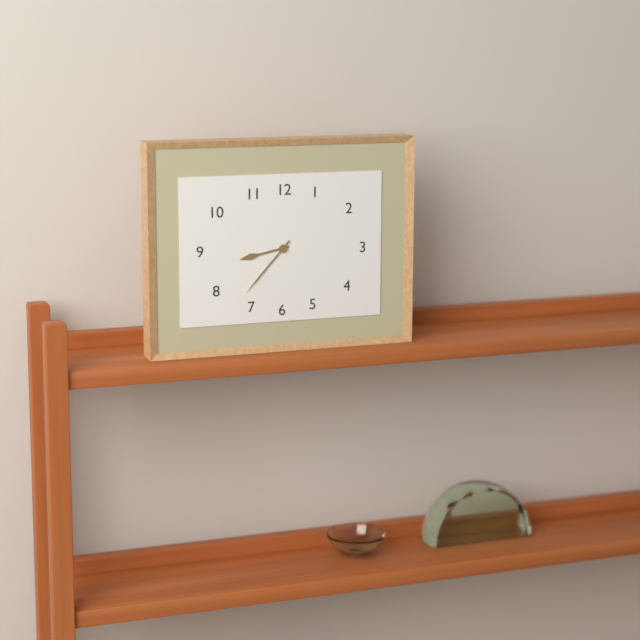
8,37
